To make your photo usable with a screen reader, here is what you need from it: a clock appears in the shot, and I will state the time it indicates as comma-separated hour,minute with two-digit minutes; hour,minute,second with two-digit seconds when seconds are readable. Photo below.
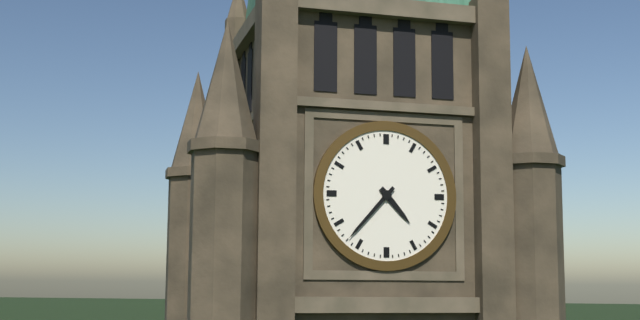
4,37
